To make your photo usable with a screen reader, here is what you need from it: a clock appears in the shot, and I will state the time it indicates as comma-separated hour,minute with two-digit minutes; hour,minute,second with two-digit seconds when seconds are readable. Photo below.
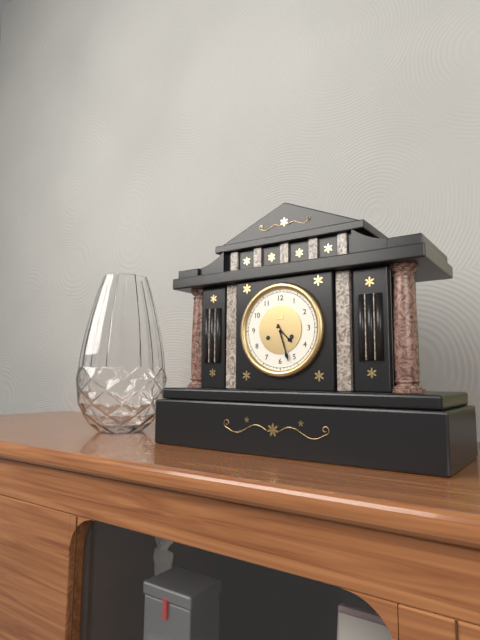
4,27
